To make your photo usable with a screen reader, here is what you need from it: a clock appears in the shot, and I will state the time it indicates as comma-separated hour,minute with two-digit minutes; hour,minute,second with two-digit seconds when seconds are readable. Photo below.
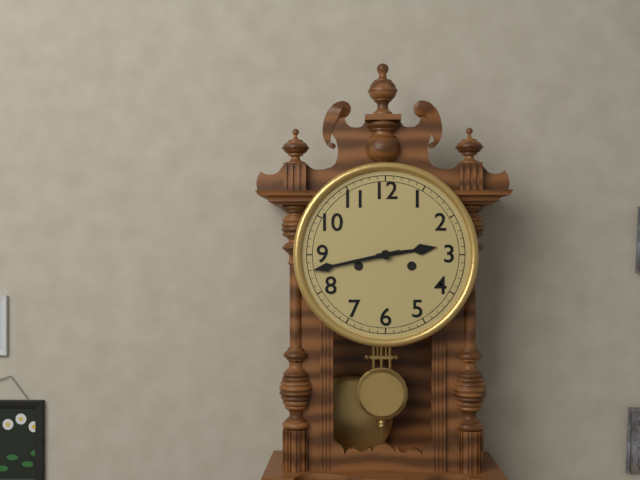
2,43
